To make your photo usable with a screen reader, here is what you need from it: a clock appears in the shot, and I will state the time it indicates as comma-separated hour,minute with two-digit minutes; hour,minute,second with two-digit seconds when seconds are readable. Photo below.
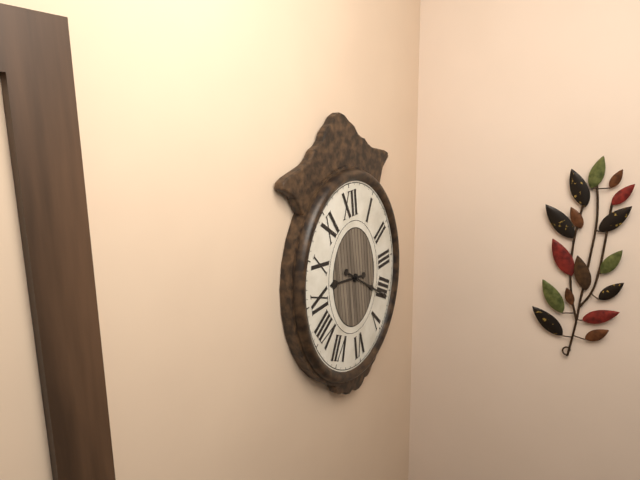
9,21
